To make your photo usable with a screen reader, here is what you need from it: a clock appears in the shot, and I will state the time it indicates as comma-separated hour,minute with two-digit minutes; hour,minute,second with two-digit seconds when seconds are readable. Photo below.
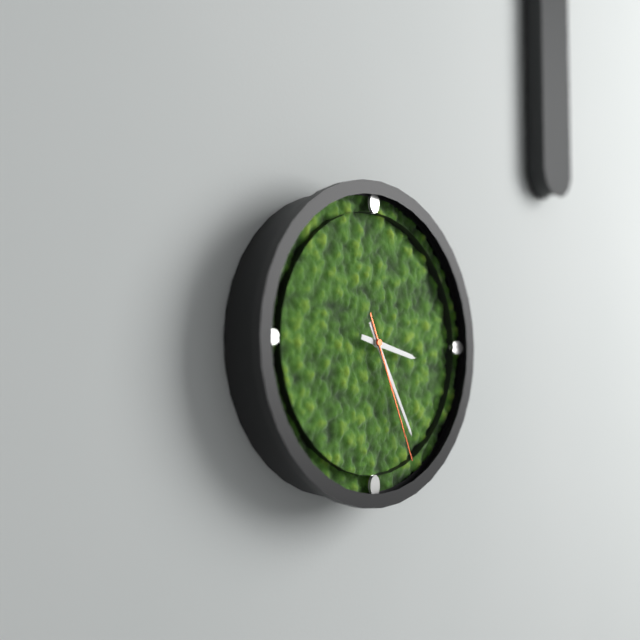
3,25,26
